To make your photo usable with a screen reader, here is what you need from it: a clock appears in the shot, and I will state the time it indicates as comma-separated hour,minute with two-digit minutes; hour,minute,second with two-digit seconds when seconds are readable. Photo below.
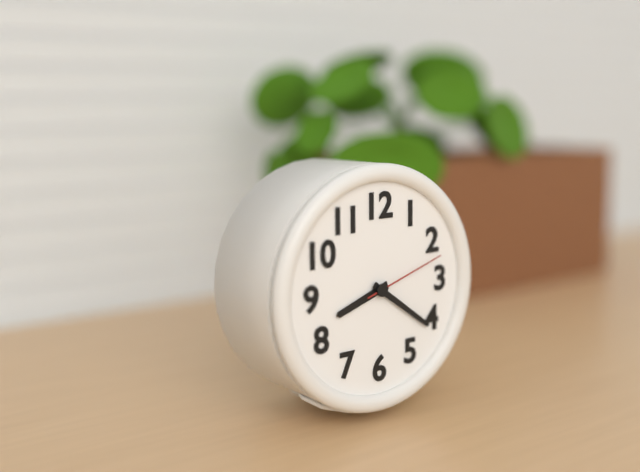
8,21,12
